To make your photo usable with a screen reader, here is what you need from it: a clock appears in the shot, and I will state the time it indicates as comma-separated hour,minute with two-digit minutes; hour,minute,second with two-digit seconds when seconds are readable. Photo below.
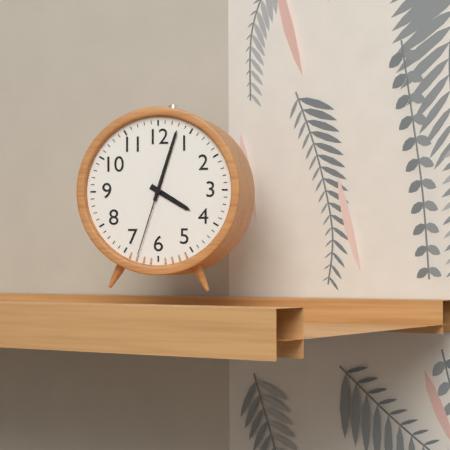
4,03,33
